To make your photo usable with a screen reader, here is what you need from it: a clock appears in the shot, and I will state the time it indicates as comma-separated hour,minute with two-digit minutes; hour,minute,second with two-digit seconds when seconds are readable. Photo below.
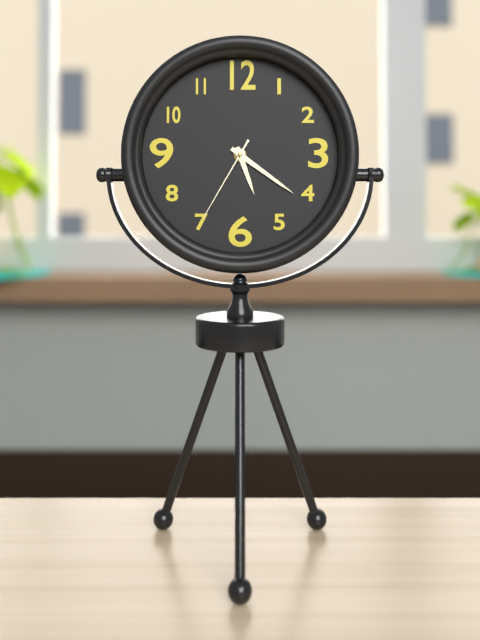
5,21,35
